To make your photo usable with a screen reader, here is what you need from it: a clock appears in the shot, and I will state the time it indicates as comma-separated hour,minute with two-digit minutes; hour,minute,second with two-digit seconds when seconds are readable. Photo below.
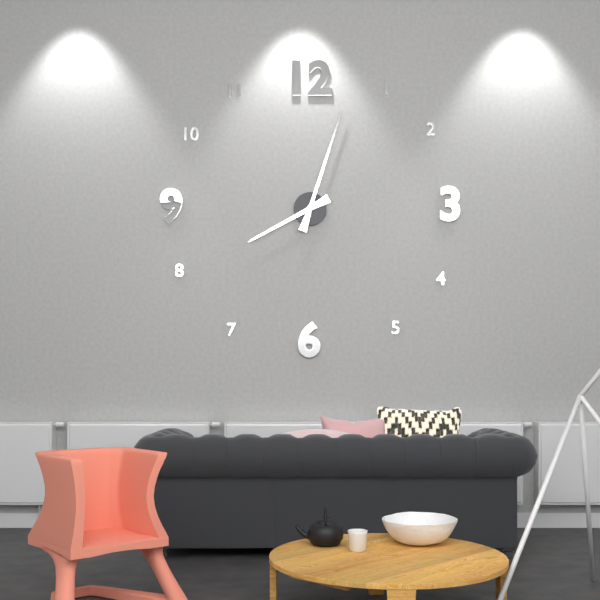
8,03
